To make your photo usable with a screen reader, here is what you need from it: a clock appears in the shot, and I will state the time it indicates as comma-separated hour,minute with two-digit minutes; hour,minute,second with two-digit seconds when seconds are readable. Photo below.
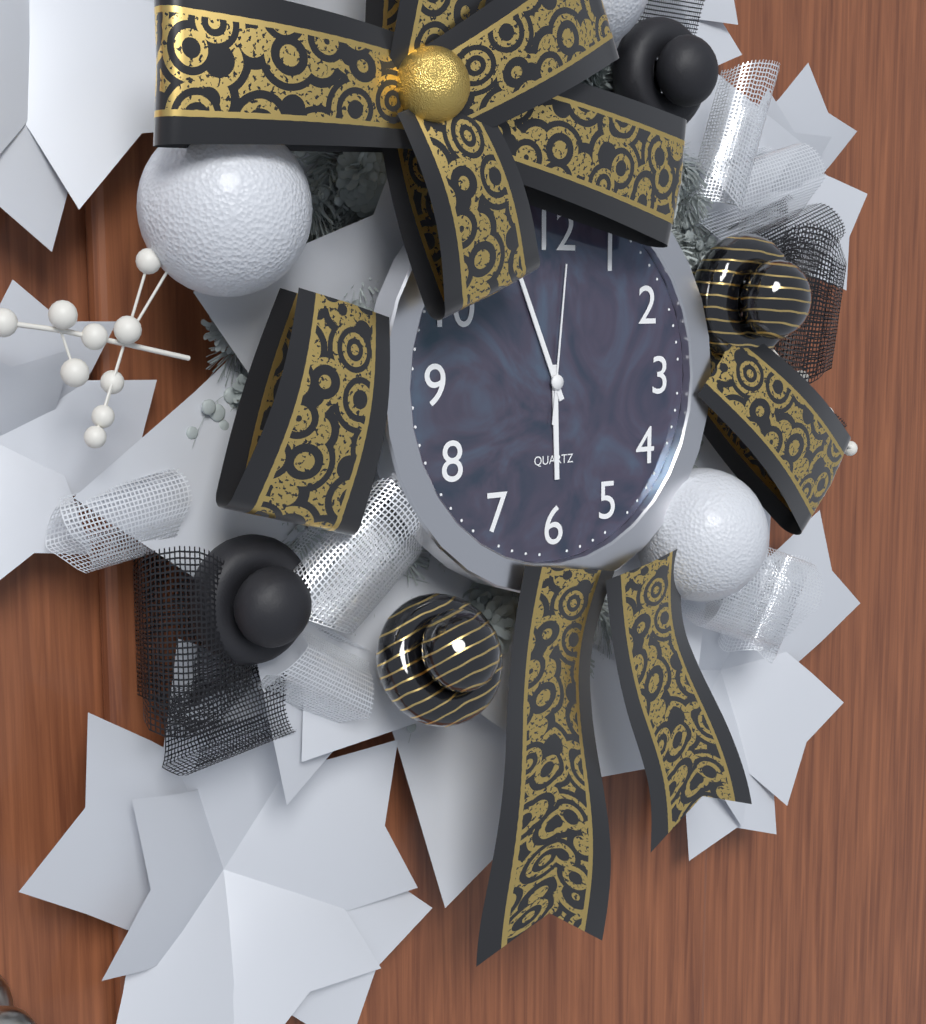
5,56,01
